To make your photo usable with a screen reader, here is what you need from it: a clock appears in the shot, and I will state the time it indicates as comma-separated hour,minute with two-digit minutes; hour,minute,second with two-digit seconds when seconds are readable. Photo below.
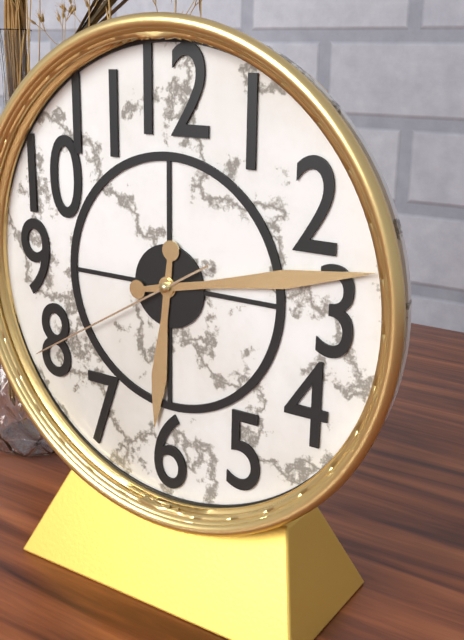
6,13,40
